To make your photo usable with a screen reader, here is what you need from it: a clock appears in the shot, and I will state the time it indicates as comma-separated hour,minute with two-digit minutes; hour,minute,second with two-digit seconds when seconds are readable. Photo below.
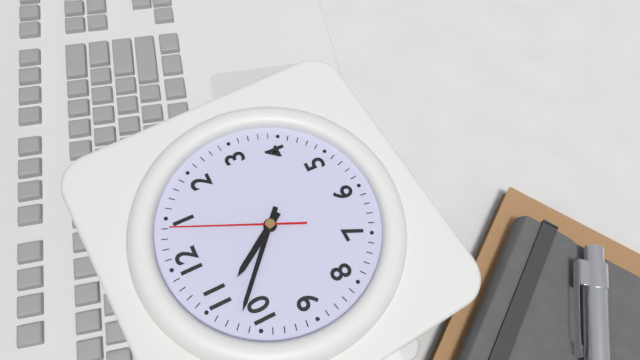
10,52,04
